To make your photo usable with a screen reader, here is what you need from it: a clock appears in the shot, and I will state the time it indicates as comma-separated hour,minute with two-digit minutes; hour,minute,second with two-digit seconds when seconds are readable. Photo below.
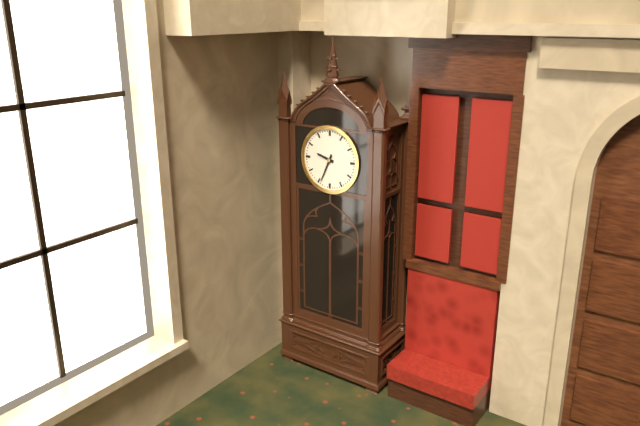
9,34
